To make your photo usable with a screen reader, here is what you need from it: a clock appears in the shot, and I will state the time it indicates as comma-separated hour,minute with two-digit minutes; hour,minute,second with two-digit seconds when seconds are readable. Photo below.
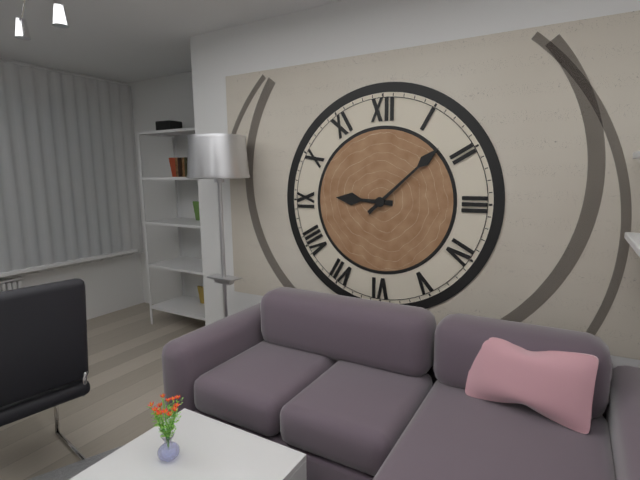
9,08
